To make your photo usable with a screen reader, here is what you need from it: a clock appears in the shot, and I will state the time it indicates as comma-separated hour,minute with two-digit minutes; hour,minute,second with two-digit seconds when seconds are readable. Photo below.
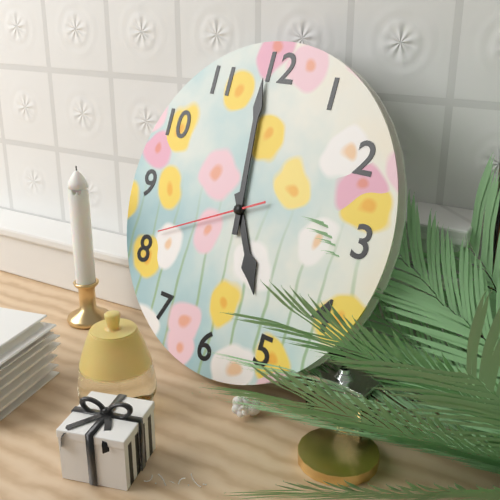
4,59,41
